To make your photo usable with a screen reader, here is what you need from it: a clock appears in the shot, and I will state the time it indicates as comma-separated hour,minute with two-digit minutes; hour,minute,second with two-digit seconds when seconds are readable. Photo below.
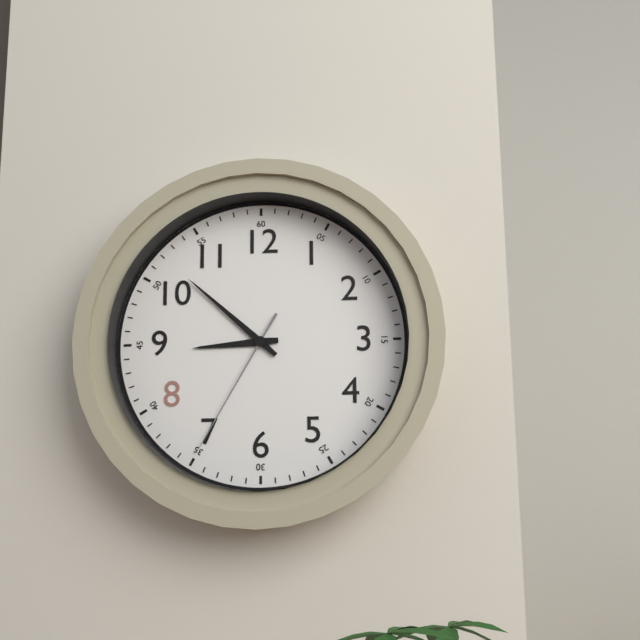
8,52,35
